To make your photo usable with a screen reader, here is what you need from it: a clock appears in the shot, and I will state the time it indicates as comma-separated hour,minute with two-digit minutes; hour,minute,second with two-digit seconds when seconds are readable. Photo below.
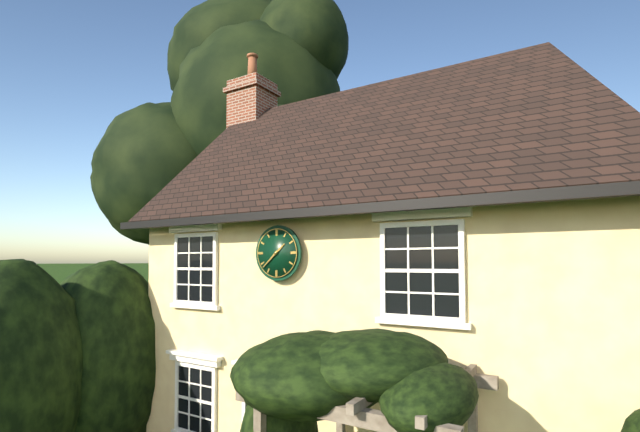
1,38
